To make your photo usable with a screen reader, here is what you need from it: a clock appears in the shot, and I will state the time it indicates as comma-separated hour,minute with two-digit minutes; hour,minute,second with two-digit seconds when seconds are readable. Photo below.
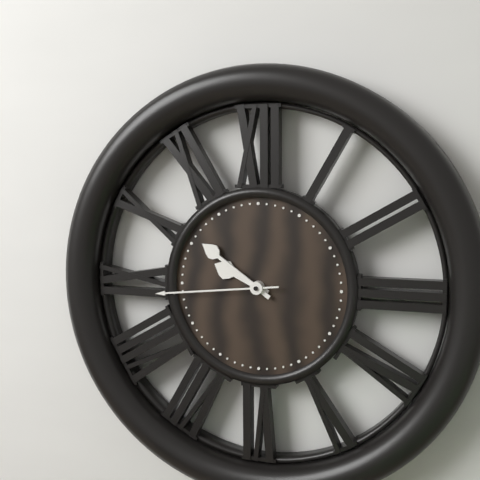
9,51,44
